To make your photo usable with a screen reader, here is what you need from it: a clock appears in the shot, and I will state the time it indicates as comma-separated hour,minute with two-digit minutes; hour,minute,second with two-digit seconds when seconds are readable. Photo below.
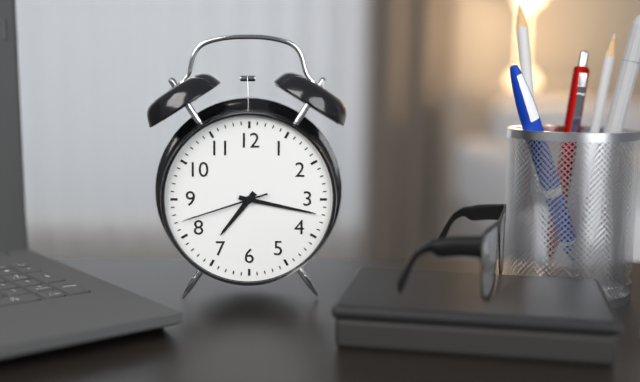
7,17,42
